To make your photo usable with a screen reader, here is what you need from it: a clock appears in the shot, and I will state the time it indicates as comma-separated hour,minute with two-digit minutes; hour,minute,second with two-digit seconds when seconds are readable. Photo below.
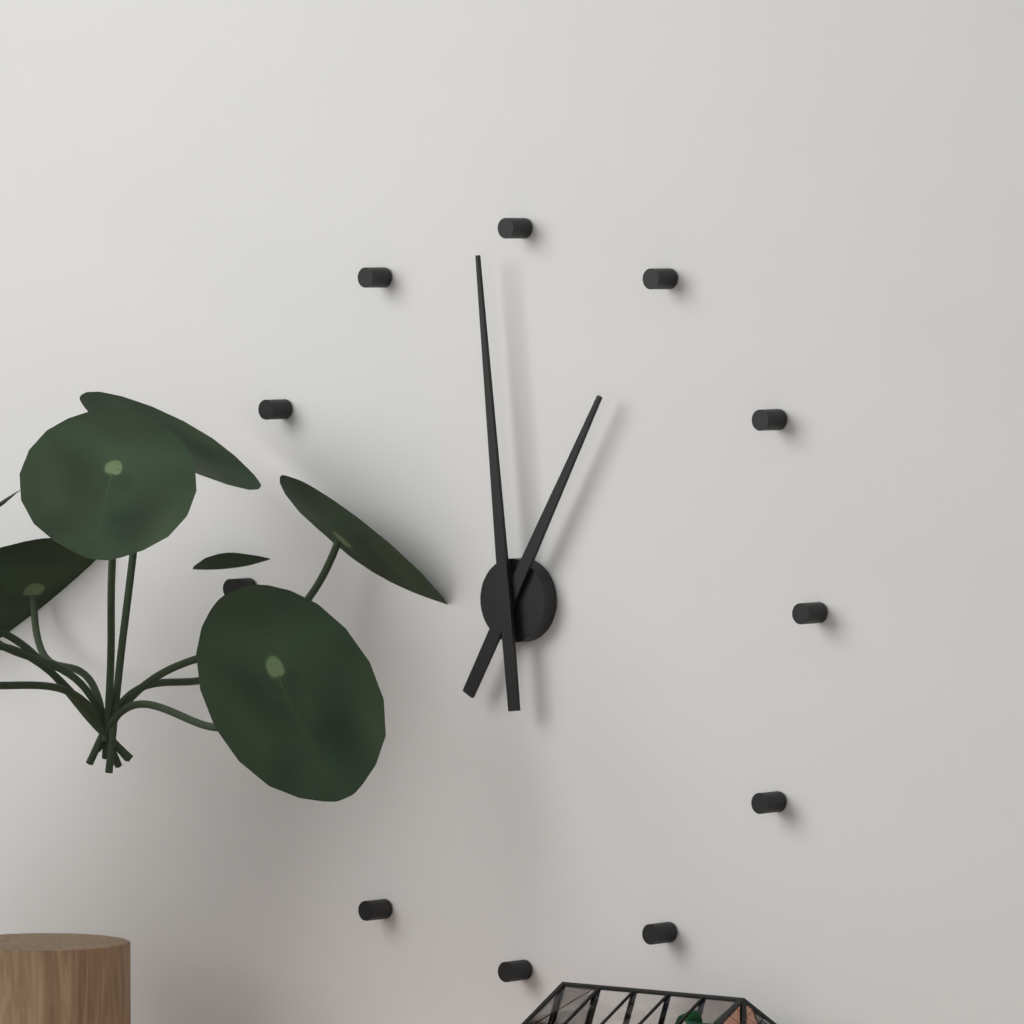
12,59
